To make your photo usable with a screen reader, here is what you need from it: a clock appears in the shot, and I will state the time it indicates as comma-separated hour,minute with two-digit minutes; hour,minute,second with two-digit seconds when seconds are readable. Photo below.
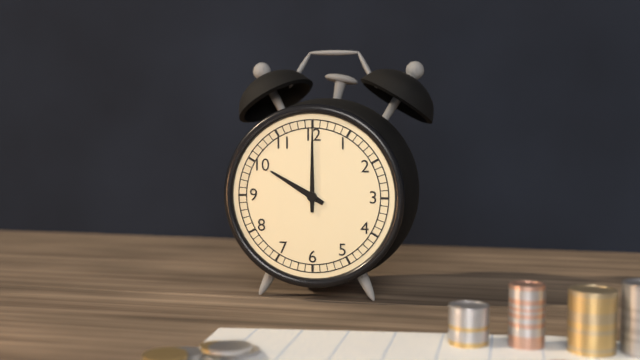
10,00
